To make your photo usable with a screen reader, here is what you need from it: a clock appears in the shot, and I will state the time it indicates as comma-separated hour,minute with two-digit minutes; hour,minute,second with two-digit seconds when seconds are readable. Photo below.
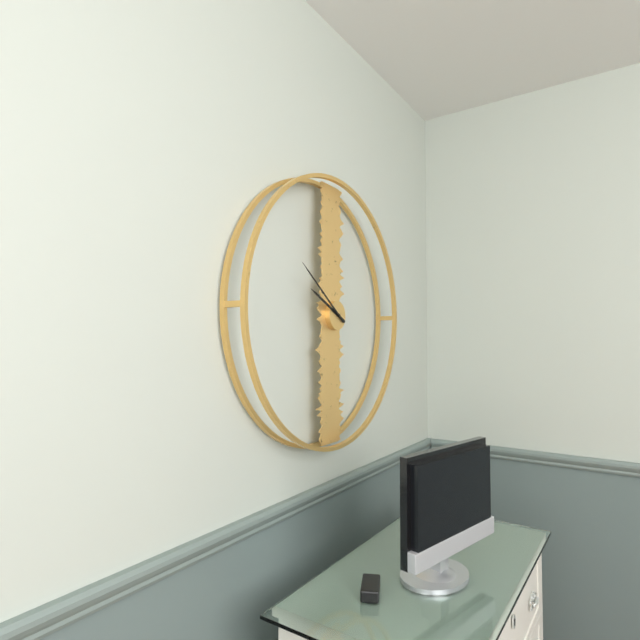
9,51
